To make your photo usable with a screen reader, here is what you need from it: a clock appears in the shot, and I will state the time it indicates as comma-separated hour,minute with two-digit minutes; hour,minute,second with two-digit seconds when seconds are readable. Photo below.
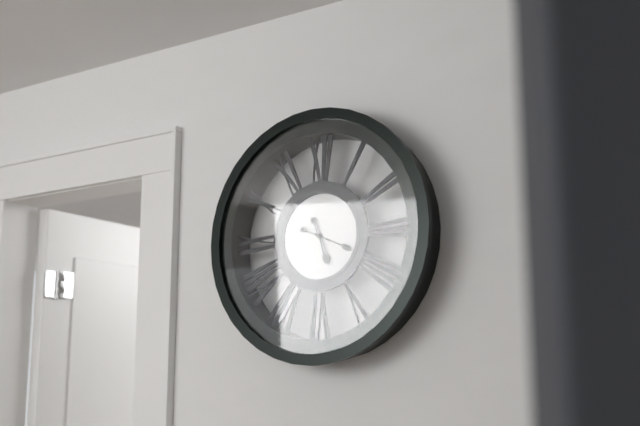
5,19
